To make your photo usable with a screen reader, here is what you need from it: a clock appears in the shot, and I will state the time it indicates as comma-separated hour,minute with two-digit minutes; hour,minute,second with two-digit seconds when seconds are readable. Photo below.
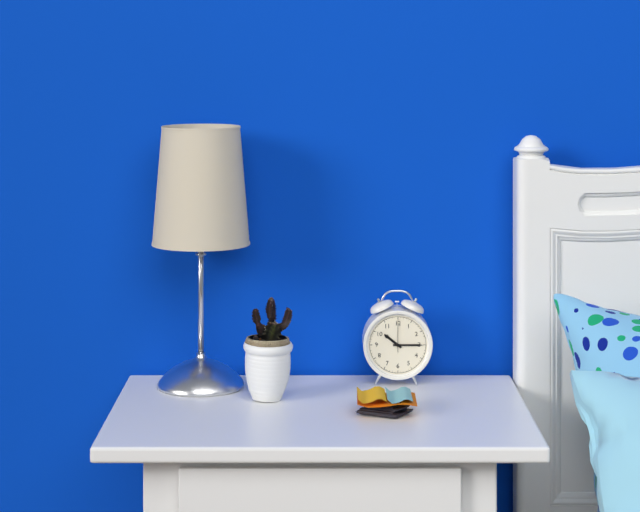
10,15
